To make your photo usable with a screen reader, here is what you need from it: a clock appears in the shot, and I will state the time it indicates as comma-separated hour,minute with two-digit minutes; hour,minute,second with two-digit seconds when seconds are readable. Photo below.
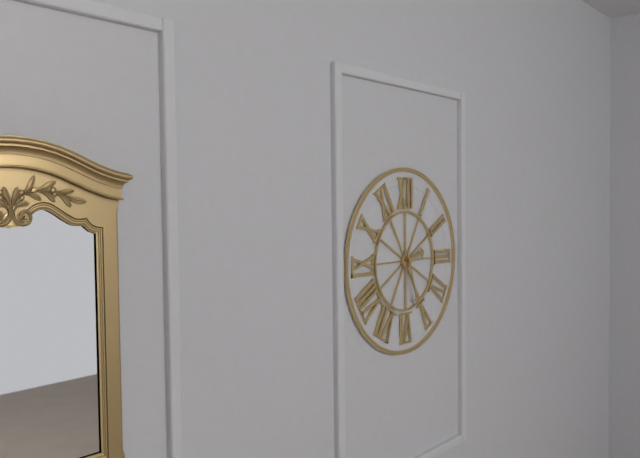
2,27
